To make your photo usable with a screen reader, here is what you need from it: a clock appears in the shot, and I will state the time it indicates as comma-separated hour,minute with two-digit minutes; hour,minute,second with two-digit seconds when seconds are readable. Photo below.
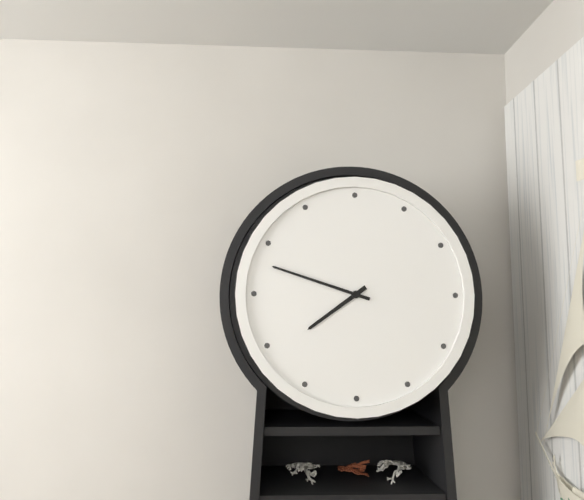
7,48
